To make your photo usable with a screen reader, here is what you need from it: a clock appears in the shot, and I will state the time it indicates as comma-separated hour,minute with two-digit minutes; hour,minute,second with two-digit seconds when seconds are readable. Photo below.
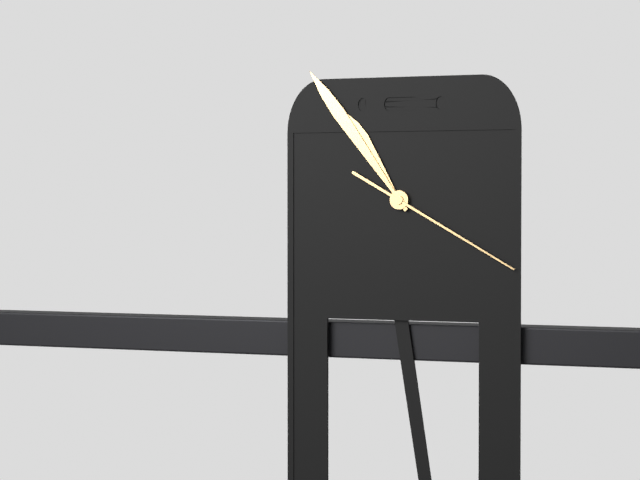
10,54,20
